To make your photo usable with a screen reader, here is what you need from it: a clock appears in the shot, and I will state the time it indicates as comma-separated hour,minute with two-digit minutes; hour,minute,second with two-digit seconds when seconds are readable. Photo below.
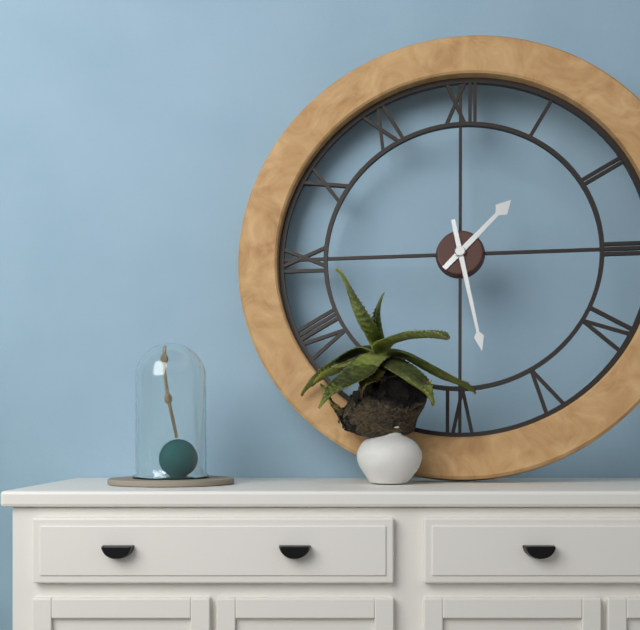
1,28
